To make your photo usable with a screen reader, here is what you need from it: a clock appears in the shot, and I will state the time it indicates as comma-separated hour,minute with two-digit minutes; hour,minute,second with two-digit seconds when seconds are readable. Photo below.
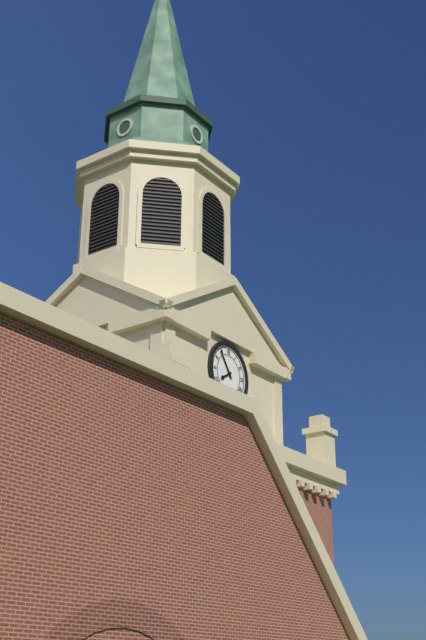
7,54
